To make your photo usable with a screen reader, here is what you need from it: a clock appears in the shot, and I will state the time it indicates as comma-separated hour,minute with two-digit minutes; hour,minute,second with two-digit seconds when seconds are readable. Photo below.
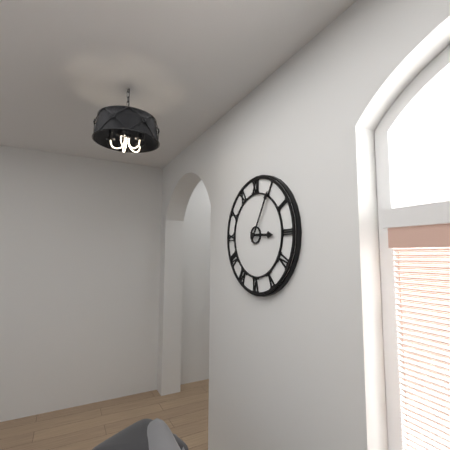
3,05
